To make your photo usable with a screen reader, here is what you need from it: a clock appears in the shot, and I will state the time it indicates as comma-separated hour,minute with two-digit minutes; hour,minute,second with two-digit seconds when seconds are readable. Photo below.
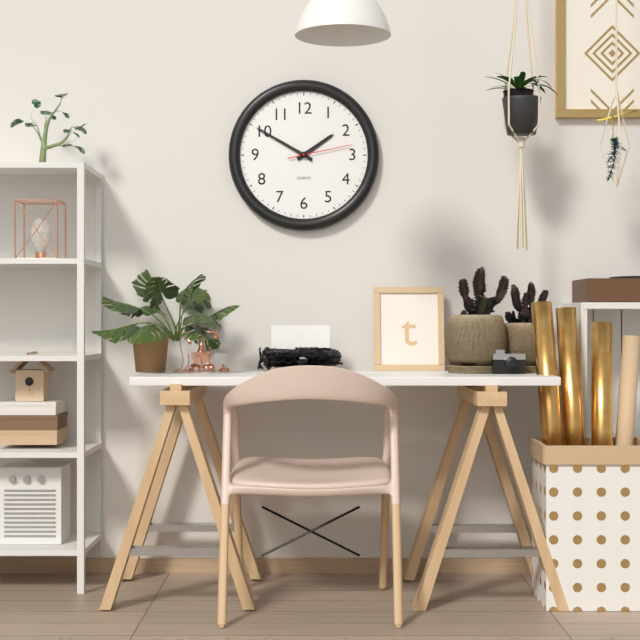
1,50,13
